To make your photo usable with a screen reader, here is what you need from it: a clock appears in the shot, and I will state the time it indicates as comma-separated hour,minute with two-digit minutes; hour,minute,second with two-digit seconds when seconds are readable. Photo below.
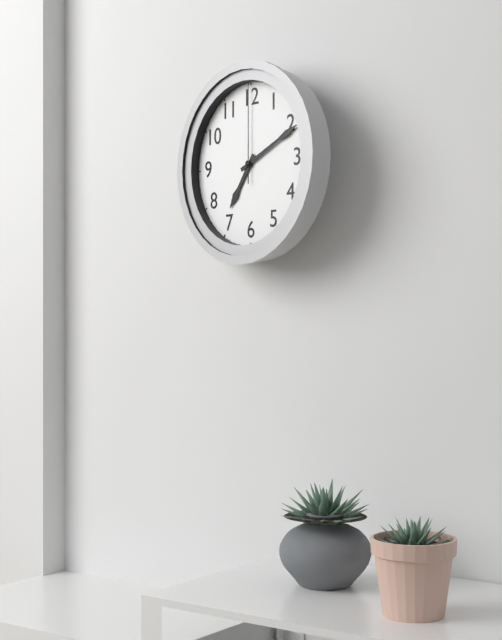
7,11,00
